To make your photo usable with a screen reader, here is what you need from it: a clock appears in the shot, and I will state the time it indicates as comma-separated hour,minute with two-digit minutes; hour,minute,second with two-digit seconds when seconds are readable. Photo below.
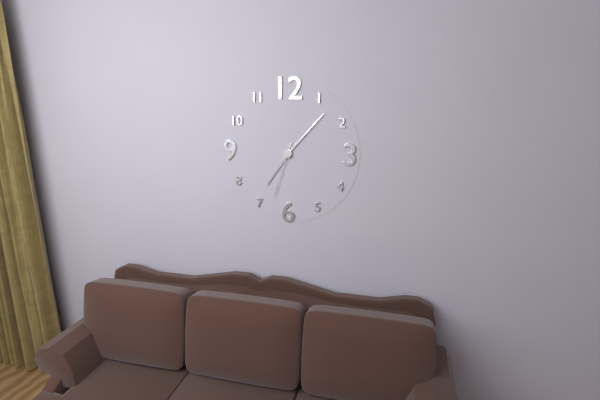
7,07,33
